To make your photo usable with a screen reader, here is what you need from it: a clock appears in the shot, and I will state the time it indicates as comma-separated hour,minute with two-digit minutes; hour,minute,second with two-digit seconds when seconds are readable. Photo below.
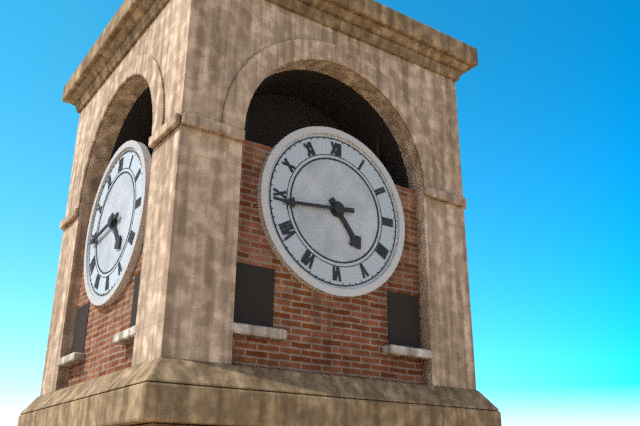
4,44
